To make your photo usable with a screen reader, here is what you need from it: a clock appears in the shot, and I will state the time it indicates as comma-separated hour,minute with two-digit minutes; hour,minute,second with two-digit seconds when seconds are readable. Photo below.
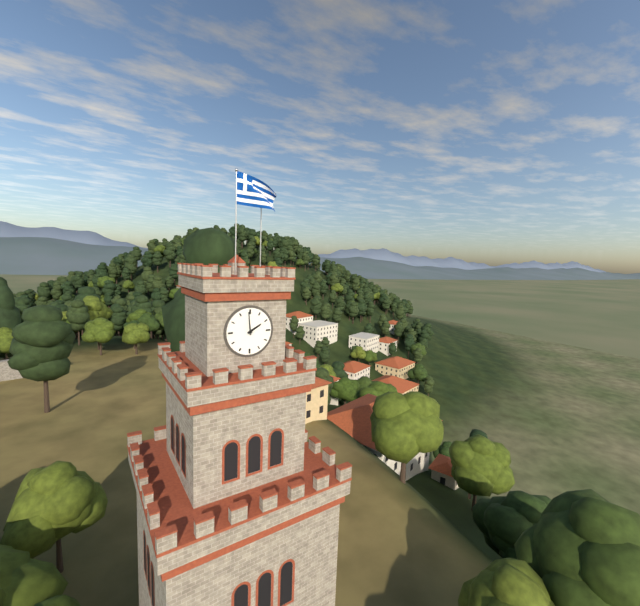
1,59
